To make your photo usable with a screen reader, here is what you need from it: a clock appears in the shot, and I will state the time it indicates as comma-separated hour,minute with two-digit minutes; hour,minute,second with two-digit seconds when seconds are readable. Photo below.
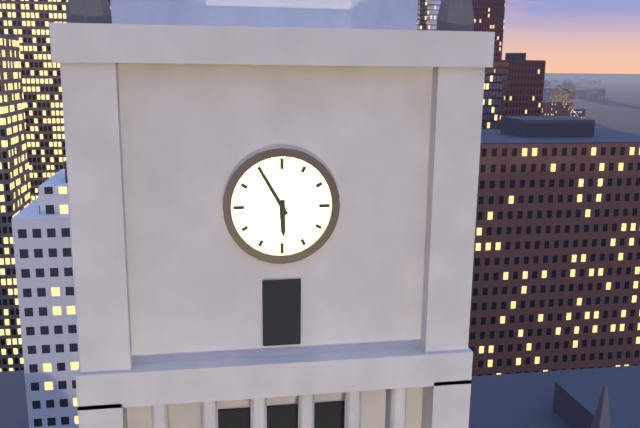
5,55
